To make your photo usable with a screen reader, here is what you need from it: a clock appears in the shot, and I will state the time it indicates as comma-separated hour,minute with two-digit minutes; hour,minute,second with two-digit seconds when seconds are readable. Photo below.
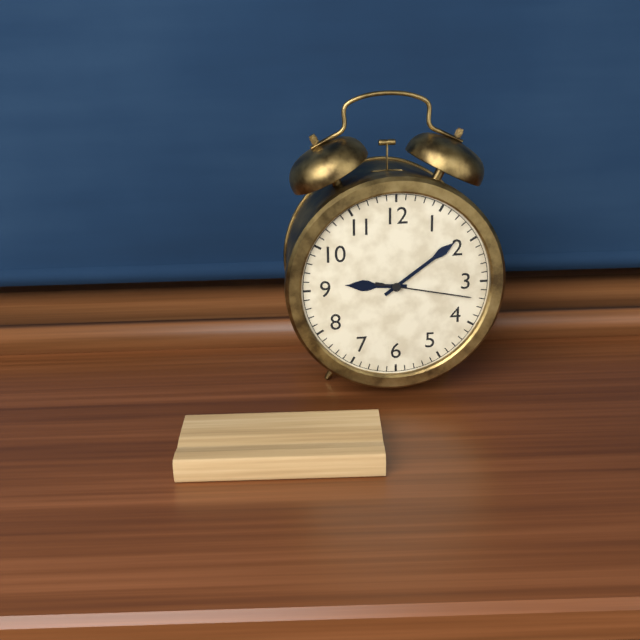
9,09,17
